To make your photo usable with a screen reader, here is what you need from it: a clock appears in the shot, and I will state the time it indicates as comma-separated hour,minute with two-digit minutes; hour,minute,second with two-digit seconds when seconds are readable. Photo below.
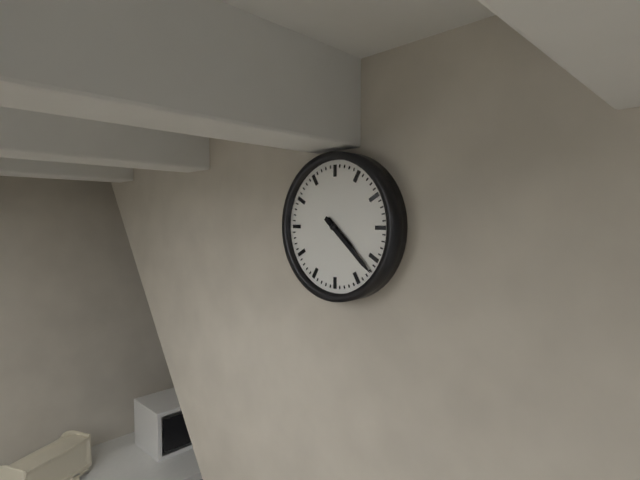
4,22
